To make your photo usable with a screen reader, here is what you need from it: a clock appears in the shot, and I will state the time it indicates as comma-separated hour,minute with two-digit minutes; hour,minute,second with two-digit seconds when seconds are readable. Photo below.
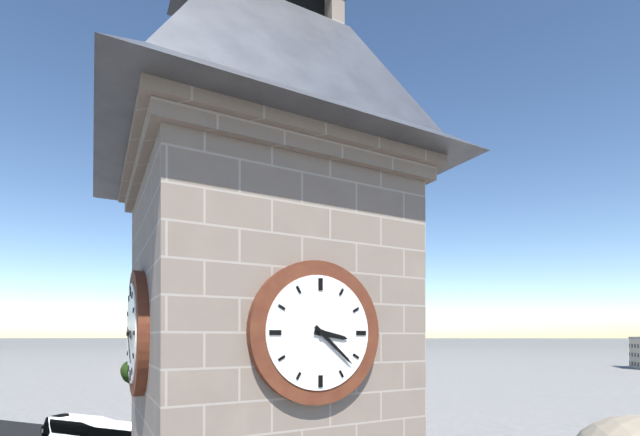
3,22
